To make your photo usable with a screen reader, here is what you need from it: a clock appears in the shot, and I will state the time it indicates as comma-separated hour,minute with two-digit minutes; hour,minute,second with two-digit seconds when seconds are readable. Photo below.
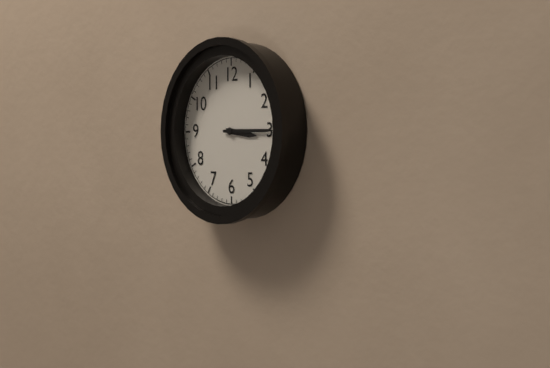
3,15
